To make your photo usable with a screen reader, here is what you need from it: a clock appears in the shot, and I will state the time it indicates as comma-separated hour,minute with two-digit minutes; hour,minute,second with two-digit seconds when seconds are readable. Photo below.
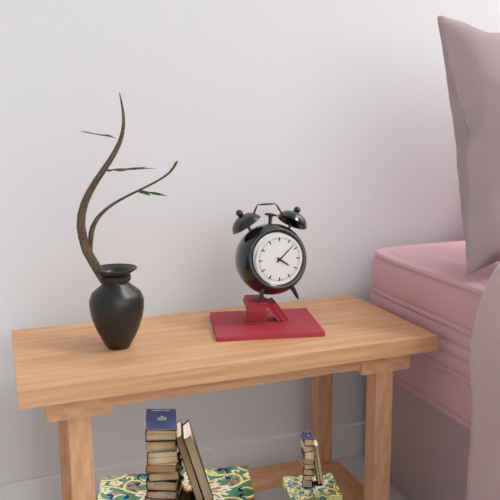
4,08
